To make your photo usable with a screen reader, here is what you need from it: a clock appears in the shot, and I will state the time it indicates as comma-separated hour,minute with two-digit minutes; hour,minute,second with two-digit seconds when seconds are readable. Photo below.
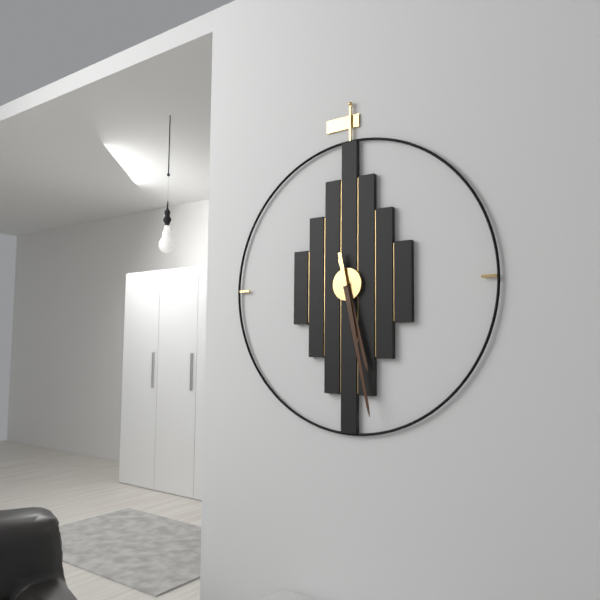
5,28
